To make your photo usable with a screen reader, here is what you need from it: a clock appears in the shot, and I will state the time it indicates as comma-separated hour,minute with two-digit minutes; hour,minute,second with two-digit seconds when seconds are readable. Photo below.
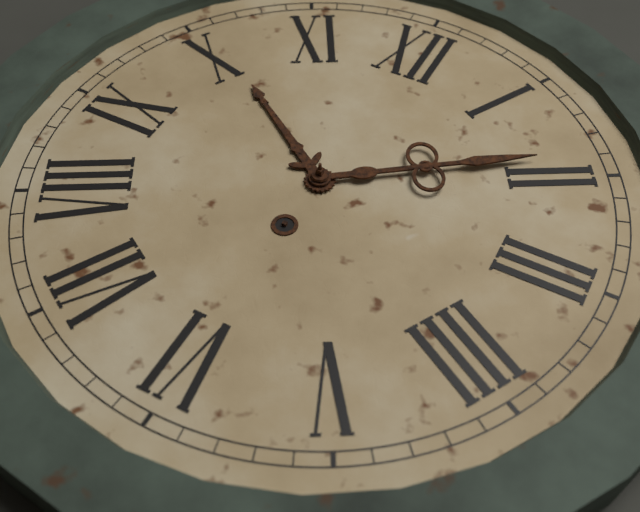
10,09
